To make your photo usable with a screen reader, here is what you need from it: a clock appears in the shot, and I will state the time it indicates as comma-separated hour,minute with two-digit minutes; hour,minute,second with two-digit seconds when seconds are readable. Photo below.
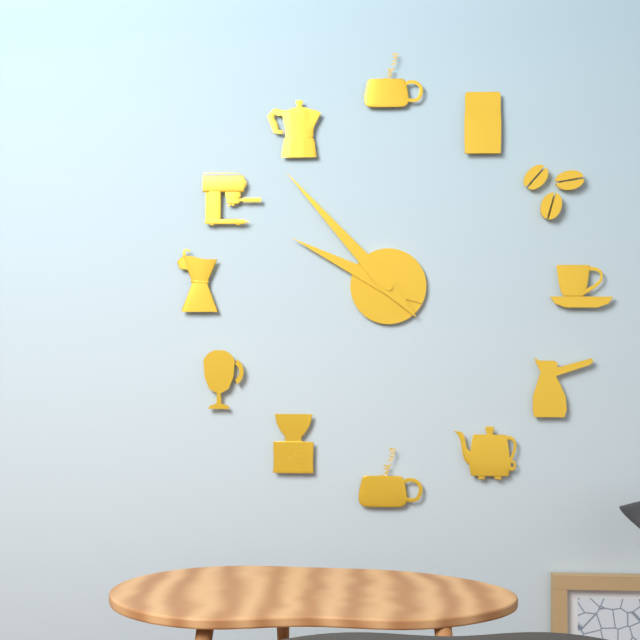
9,53
